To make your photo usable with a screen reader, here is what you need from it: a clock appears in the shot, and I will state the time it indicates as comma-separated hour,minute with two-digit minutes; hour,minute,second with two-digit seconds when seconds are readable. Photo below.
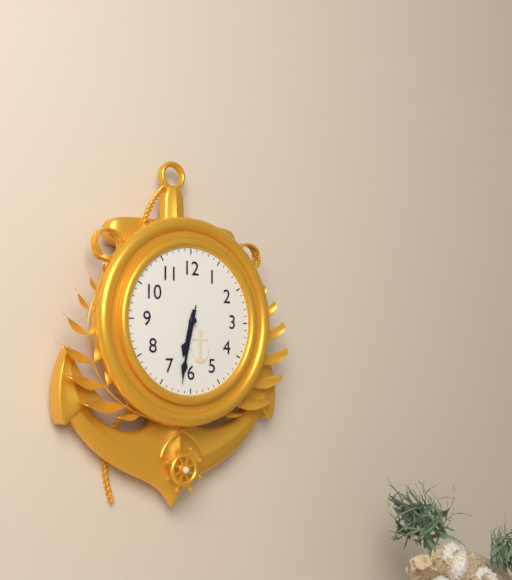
6,32,32
